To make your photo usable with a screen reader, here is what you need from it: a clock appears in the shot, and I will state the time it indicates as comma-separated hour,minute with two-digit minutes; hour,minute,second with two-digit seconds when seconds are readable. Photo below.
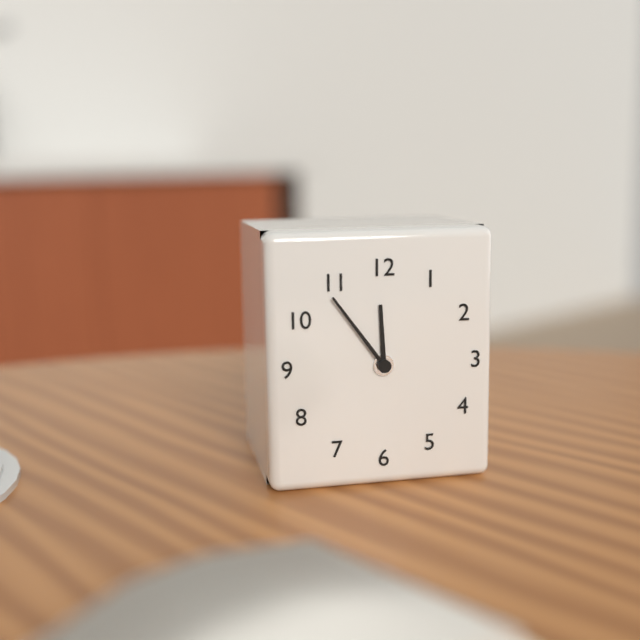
11,54
